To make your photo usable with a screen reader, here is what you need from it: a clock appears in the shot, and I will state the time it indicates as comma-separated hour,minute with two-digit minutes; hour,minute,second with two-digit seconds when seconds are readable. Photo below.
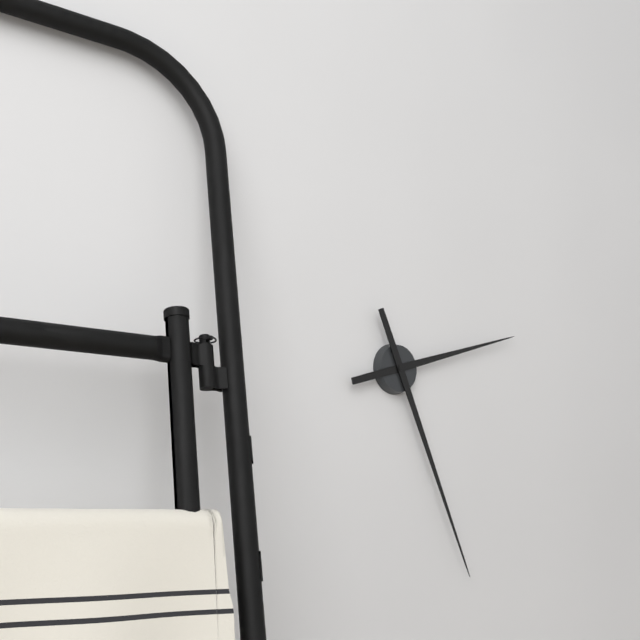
2,26
